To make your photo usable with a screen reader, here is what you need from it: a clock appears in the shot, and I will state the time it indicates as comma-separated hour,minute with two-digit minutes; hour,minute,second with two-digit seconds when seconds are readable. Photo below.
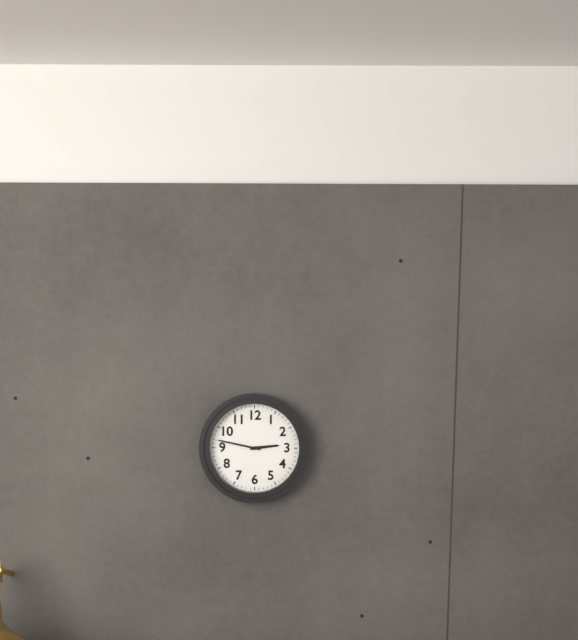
2,47
